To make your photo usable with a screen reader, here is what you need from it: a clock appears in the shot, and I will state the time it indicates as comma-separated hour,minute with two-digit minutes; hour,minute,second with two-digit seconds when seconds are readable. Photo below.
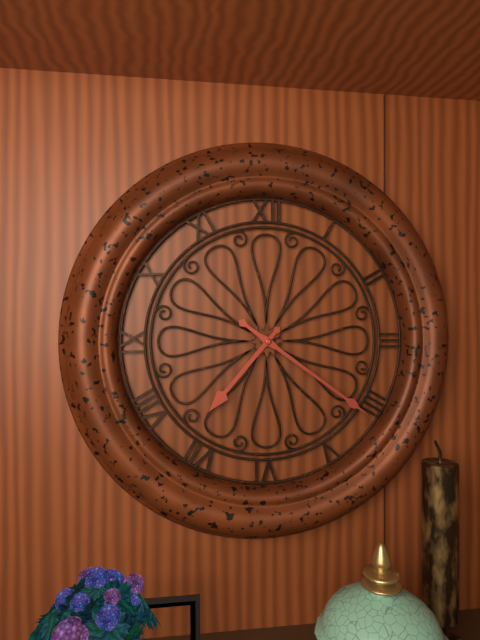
7,21
